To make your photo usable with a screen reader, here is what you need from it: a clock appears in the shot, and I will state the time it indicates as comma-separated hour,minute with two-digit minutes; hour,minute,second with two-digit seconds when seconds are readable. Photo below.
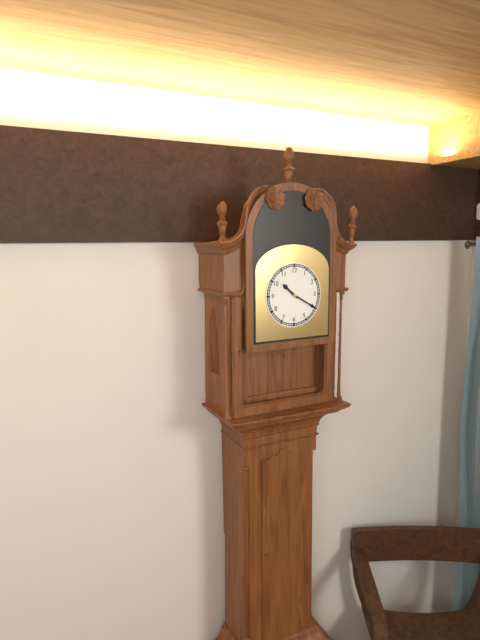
10,20
